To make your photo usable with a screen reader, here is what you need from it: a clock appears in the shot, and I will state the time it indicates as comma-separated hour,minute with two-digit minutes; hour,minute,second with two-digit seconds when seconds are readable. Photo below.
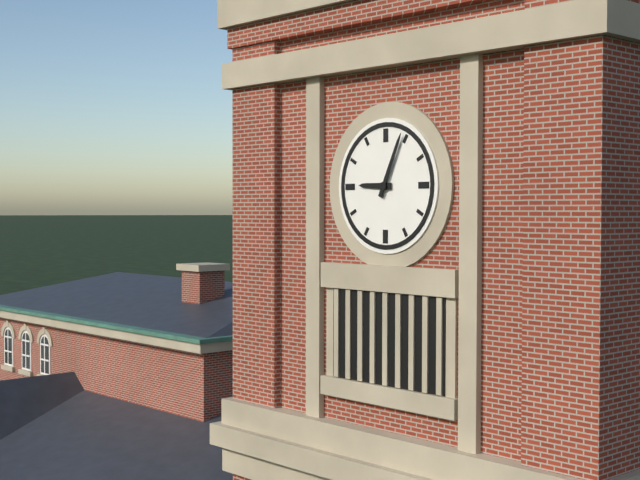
9,04
